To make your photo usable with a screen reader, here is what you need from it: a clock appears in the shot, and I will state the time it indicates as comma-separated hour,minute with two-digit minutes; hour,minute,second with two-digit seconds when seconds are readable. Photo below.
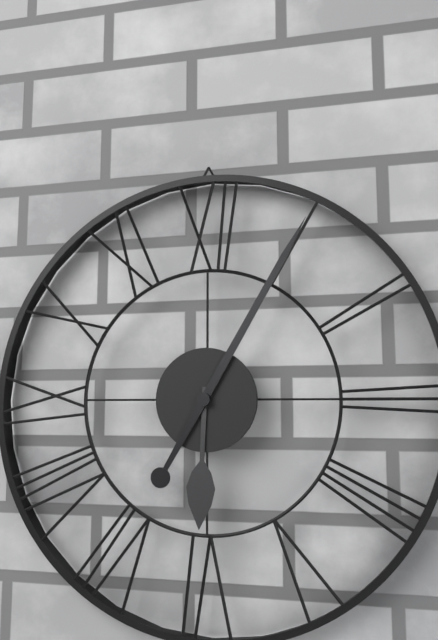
6,05
